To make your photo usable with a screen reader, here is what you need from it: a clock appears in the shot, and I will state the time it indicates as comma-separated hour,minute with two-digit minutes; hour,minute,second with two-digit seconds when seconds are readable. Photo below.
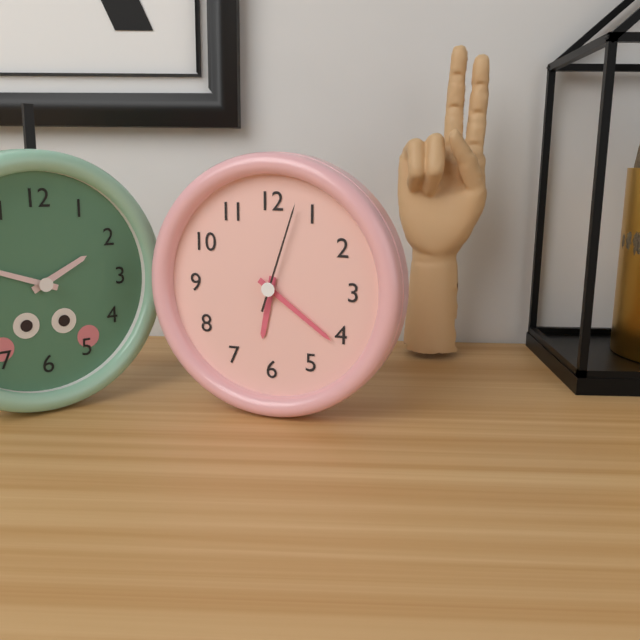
6,21,03
